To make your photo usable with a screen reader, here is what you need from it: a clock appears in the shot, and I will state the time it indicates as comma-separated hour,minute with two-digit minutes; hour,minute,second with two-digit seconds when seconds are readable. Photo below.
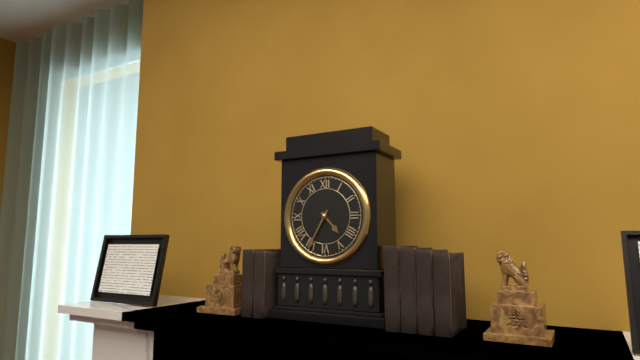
4,35
